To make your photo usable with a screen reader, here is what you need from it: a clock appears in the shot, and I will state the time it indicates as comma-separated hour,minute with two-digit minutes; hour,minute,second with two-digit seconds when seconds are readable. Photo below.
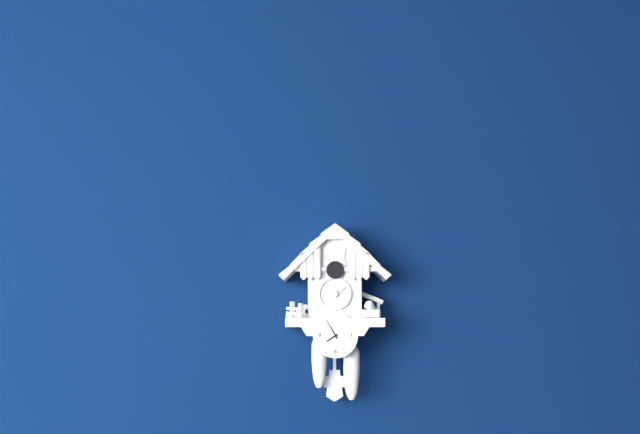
7,55
